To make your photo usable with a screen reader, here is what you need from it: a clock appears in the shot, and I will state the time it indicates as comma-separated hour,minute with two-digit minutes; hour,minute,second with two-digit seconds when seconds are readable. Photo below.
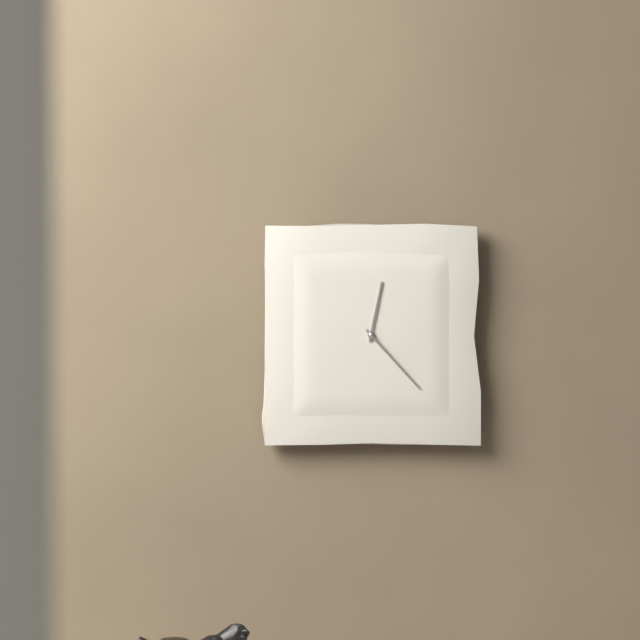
12,23
